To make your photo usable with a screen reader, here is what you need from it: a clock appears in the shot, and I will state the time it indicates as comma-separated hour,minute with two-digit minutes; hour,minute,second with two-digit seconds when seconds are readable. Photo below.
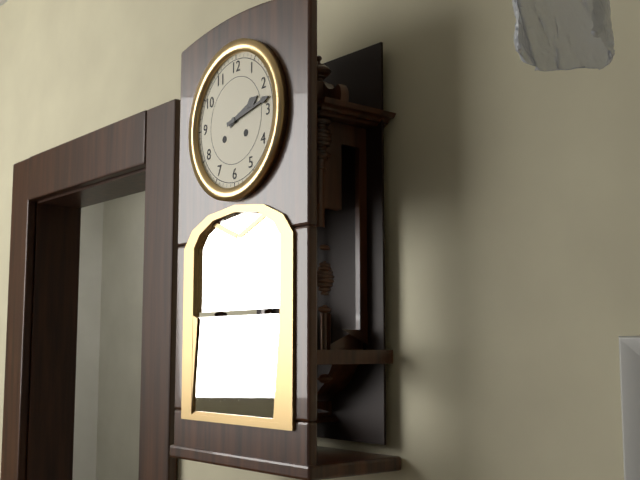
2,13
